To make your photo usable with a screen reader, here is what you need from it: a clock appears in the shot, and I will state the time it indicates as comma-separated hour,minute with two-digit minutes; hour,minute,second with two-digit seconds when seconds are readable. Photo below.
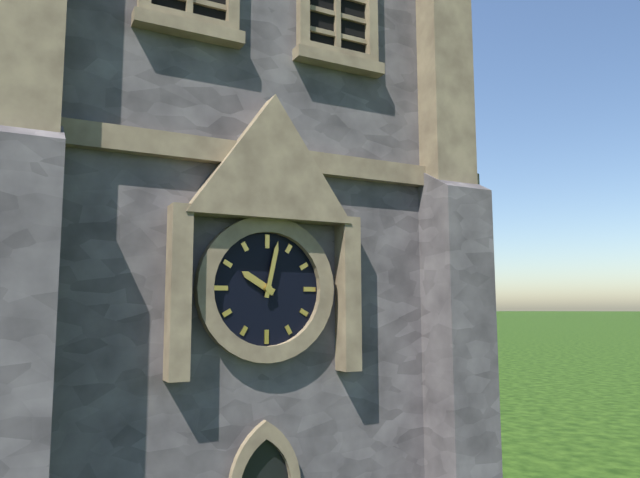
10,02
